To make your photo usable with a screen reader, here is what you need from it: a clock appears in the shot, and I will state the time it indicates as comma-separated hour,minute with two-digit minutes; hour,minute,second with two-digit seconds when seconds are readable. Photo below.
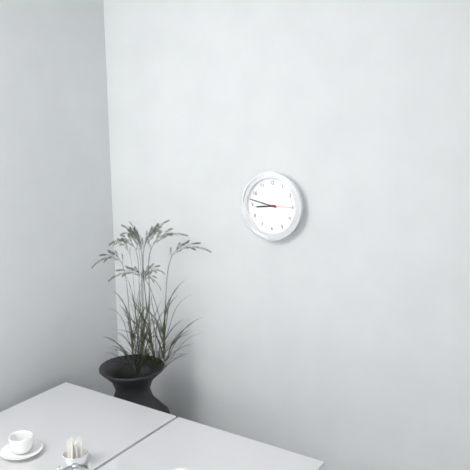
8,47
